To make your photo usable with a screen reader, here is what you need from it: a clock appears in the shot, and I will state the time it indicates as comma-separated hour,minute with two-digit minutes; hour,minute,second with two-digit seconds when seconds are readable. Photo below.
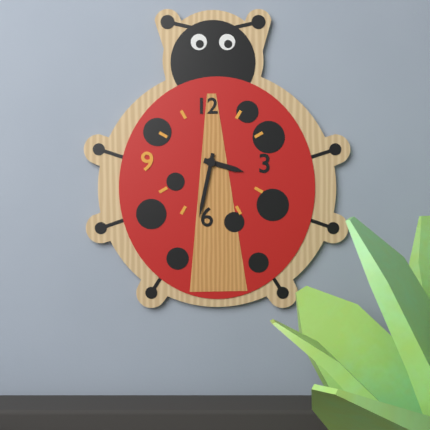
3,32
